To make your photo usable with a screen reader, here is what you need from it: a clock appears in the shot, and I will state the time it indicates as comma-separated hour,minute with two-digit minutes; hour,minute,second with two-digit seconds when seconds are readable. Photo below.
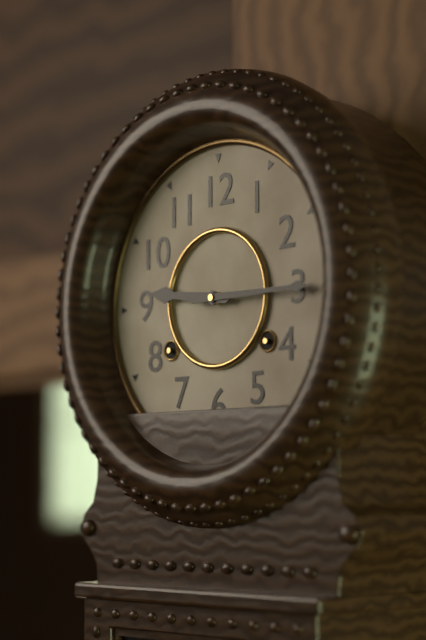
9,15
